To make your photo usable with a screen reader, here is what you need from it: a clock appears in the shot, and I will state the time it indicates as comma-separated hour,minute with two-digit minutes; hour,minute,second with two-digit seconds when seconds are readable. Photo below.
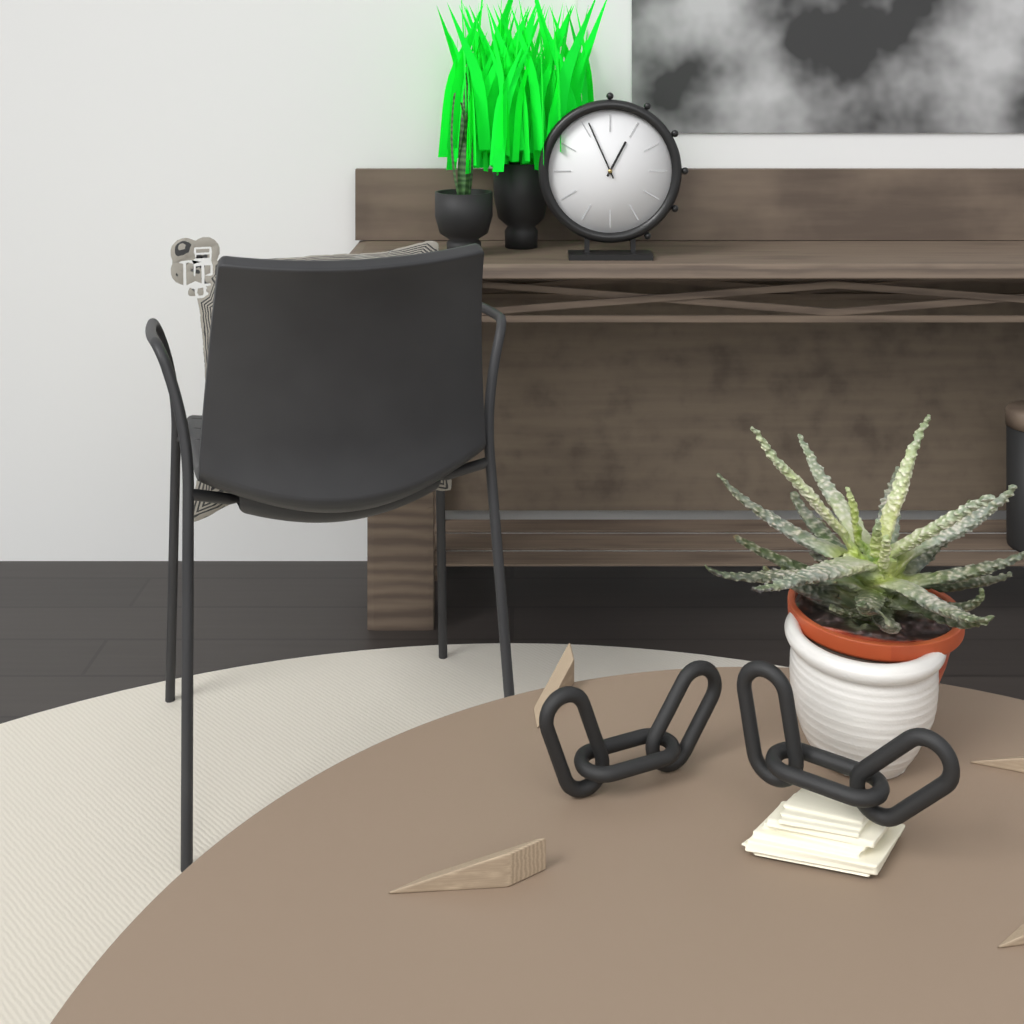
12,56
